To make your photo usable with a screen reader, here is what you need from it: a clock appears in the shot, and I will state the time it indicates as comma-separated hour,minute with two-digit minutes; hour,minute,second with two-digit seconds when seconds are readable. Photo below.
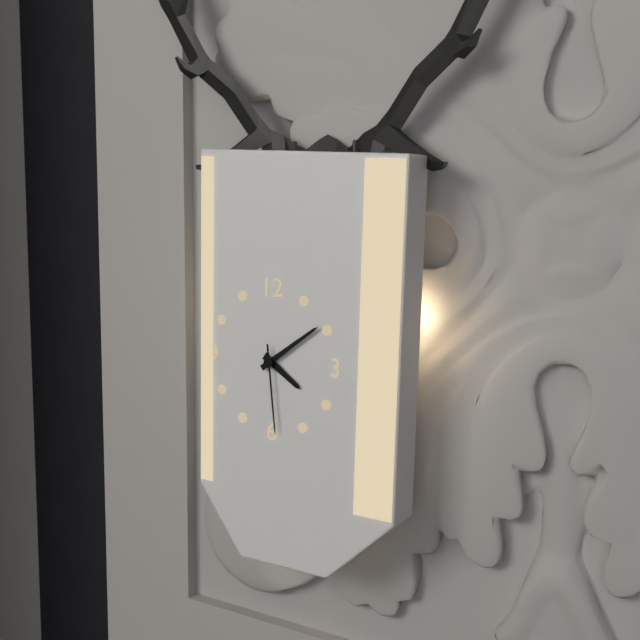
4,09,29
